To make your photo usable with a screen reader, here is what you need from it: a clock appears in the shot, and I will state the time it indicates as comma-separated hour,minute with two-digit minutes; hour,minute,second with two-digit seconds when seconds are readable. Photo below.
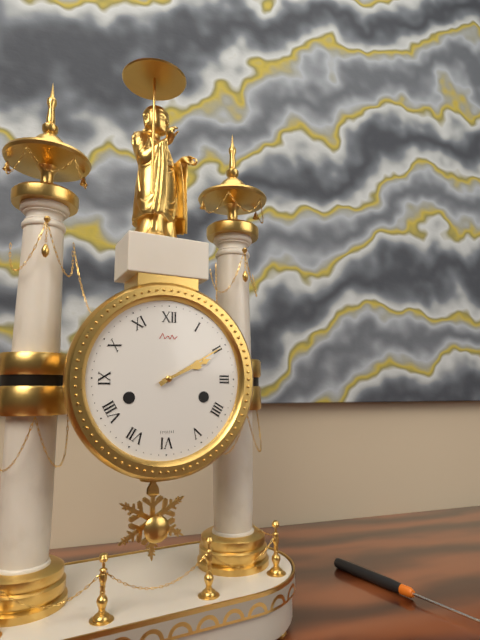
2,10
